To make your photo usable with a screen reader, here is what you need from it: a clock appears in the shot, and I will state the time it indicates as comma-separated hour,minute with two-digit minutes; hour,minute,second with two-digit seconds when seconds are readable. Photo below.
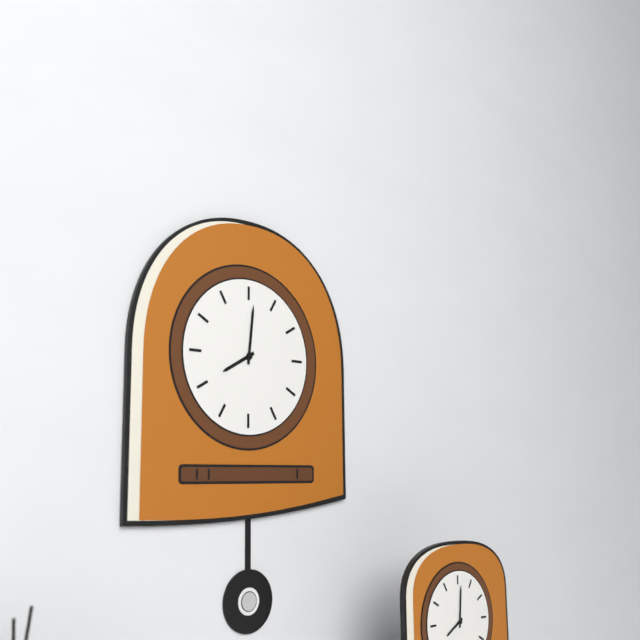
8,01
